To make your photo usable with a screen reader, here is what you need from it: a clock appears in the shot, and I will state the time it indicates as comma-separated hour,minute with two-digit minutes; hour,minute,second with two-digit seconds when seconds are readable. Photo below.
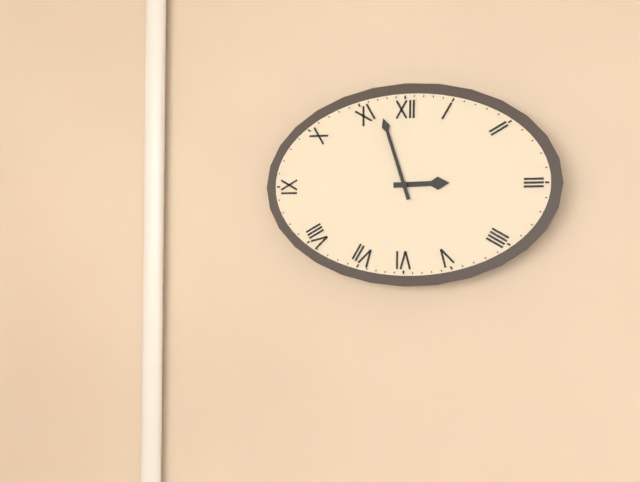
2,57
